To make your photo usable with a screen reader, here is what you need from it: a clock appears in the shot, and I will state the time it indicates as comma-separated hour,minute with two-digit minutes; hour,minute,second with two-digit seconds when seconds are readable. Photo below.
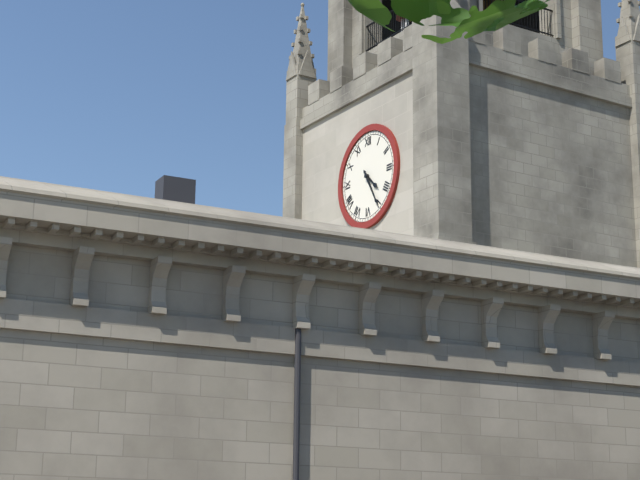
4,25
